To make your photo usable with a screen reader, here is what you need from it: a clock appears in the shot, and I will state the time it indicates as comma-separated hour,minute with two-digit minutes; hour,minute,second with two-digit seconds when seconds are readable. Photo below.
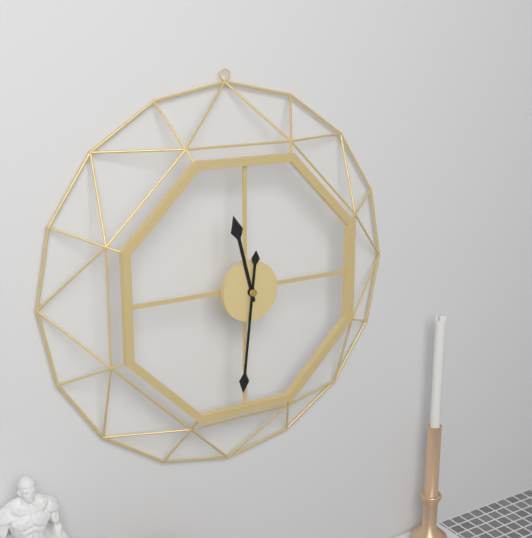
11,31
